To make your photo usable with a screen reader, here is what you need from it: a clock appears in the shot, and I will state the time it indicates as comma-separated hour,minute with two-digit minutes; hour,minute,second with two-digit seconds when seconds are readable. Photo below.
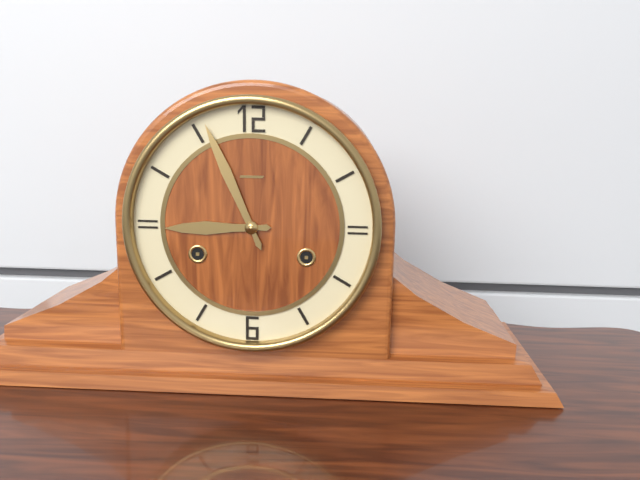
8,56
